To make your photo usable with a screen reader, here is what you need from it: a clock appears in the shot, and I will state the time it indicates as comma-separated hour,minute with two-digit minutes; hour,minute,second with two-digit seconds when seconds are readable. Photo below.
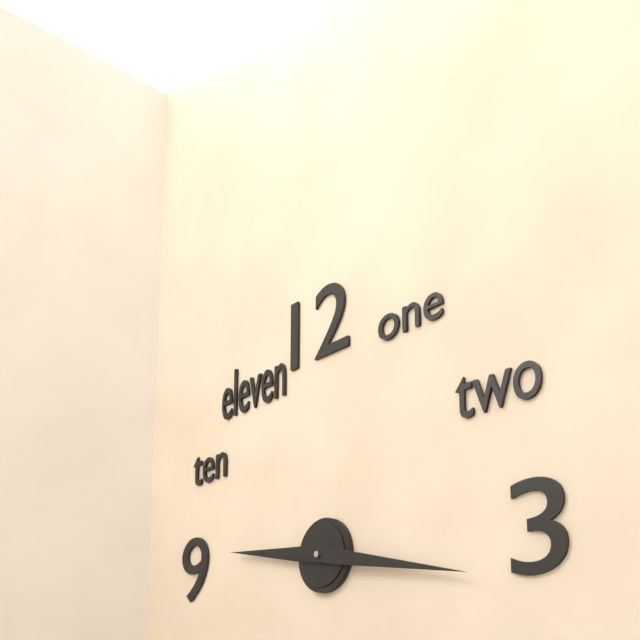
9,17
